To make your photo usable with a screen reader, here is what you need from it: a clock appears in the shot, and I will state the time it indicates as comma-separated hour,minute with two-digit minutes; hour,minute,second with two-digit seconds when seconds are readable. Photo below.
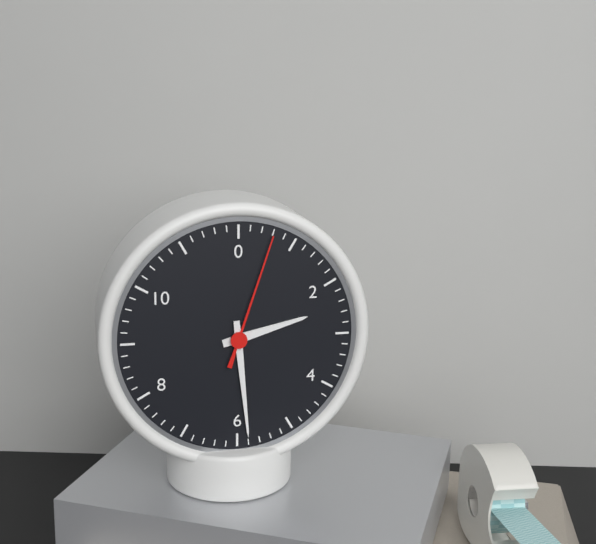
2,29,03
